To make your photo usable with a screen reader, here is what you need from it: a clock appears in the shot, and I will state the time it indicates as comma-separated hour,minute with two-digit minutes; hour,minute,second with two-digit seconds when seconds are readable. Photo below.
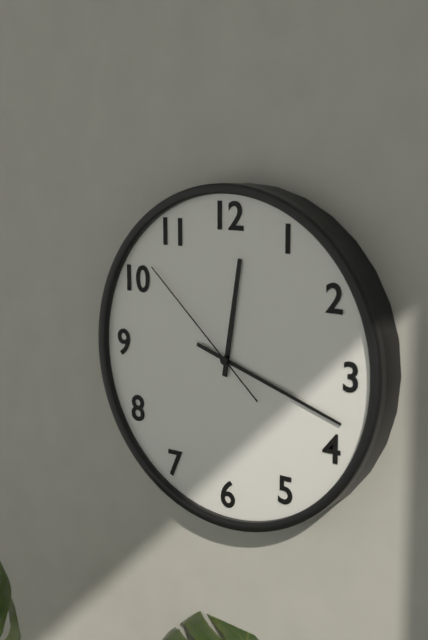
12,18,52
